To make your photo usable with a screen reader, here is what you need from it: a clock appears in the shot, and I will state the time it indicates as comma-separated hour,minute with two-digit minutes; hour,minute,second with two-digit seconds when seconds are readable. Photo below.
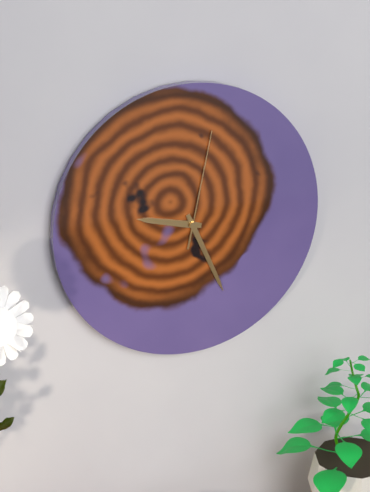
9,26,02
